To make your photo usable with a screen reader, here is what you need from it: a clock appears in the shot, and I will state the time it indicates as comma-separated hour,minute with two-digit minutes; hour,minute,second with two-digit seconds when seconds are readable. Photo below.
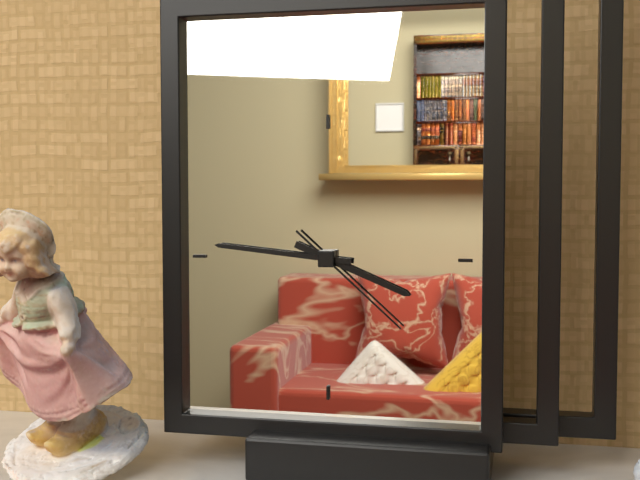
3,46,22
